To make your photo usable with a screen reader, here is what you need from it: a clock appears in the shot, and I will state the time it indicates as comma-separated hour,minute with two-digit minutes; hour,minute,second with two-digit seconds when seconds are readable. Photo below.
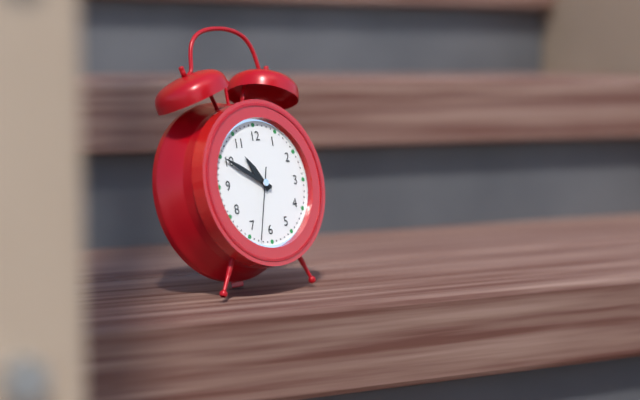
10,50,33
